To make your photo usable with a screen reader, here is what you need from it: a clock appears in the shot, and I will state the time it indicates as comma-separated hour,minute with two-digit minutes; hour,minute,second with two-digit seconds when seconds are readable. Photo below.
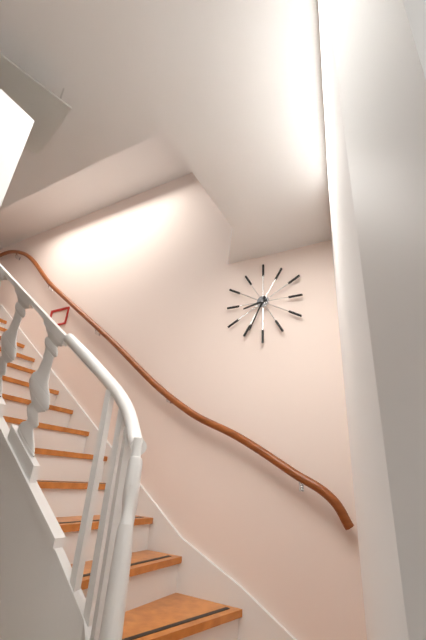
8,34
